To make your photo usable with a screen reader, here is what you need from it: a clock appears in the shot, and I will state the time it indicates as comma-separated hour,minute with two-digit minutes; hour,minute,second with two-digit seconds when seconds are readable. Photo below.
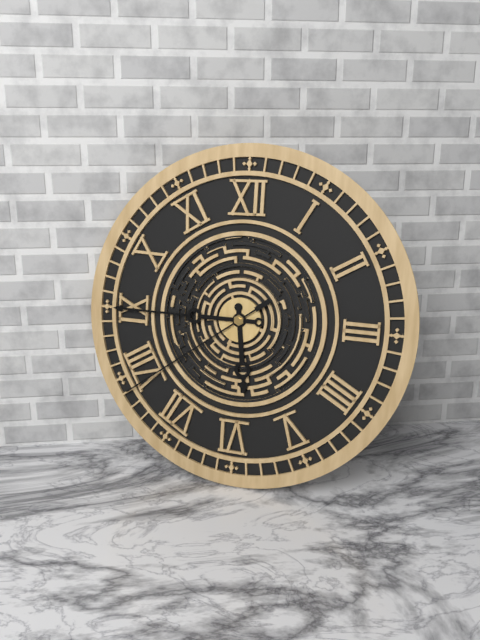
5,45,39
